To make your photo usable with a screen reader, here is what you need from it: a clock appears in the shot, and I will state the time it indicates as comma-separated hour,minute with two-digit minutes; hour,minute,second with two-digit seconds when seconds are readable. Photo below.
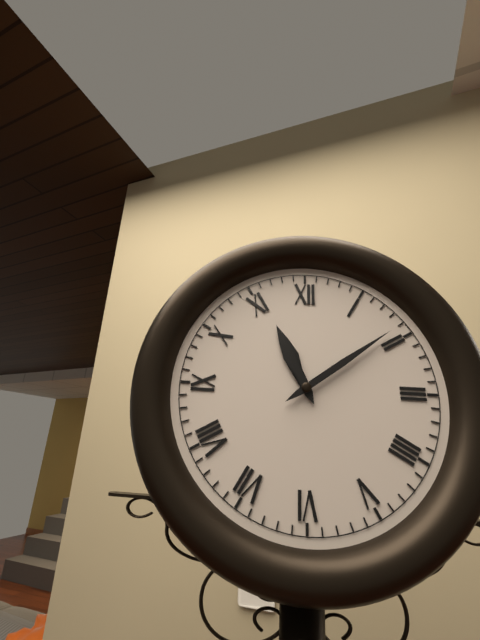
11,09
